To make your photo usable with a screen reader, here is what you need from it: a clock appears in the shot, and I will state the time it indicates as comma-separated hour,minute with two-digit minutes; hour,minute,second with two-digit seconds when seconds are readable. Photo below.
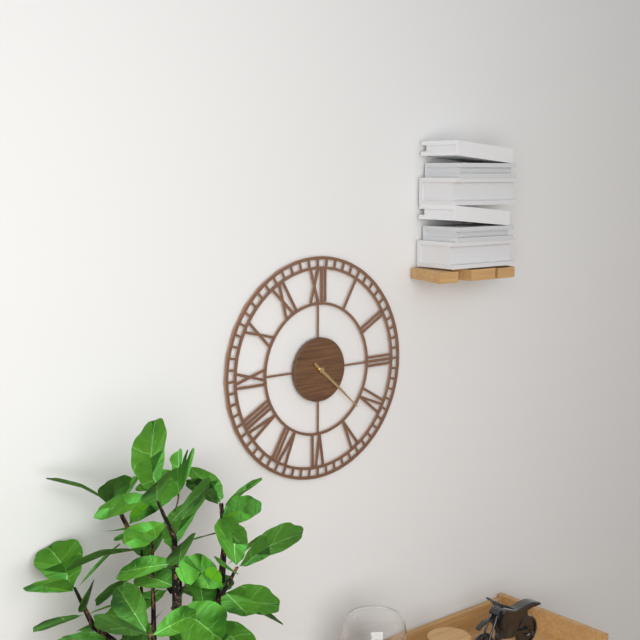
4,22
